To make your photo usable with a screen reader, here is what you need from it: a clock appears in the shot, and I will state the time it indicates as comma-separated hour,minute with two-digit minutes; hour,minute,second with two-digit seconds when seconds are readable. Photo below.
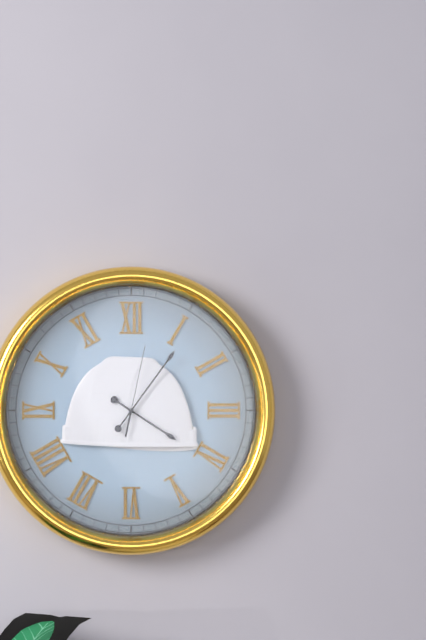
4,06,02
